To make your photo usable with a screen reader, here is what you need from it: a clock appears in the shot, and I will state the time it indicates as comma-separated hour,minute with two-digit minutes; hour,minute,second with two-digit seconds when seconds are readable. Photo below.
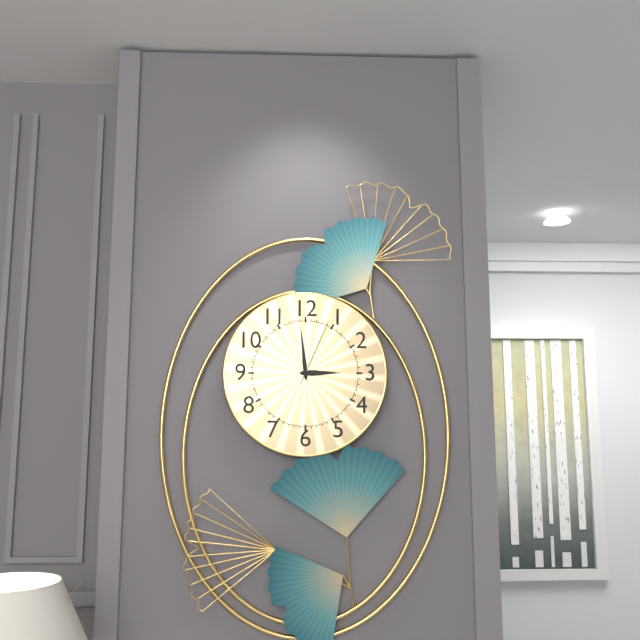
2,59,04
